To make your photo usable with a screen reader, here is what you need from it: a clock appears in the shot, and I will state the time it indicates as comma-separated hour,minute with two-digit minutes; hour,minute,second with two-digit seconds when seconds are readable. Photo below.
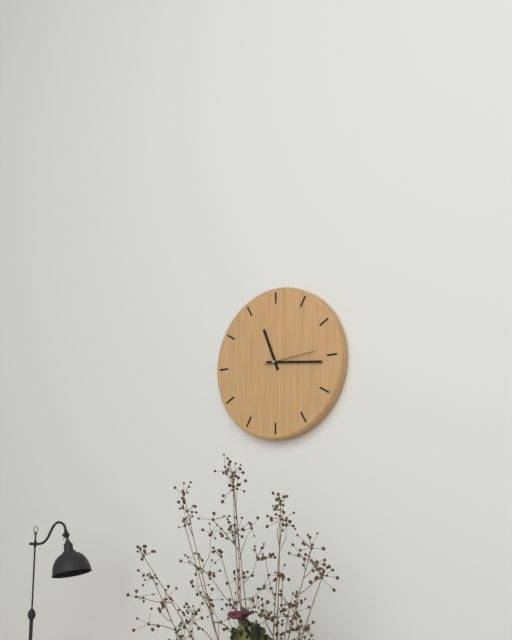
11,16
